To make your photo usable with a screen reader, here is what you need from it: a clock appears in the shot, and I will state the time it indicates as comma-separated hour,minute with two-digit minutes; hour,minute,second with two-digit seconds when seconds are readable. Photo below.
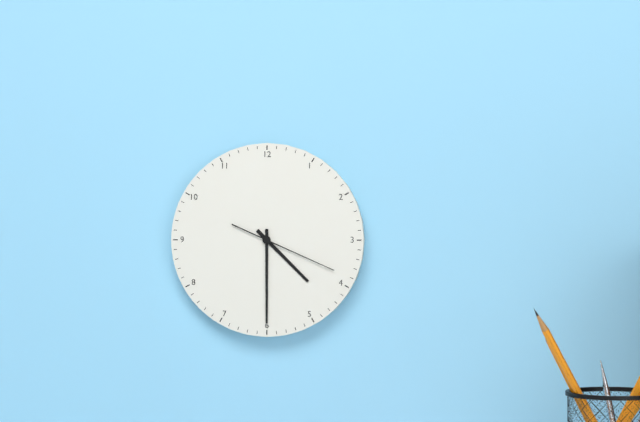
4,30,19
